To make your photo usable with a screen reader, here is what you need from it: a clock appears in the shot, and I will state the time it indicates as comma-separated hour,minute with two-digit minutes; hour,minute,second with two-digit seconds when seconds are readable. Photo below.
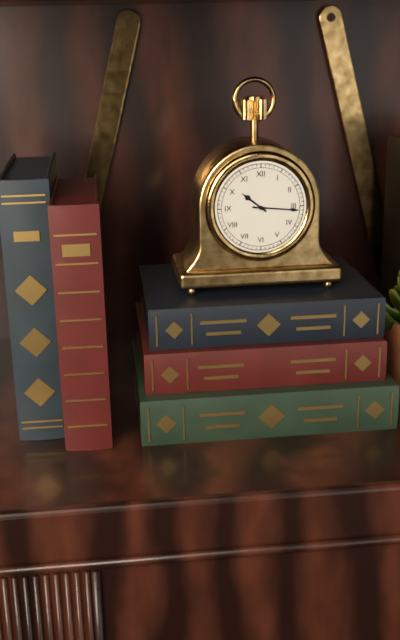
10,16
